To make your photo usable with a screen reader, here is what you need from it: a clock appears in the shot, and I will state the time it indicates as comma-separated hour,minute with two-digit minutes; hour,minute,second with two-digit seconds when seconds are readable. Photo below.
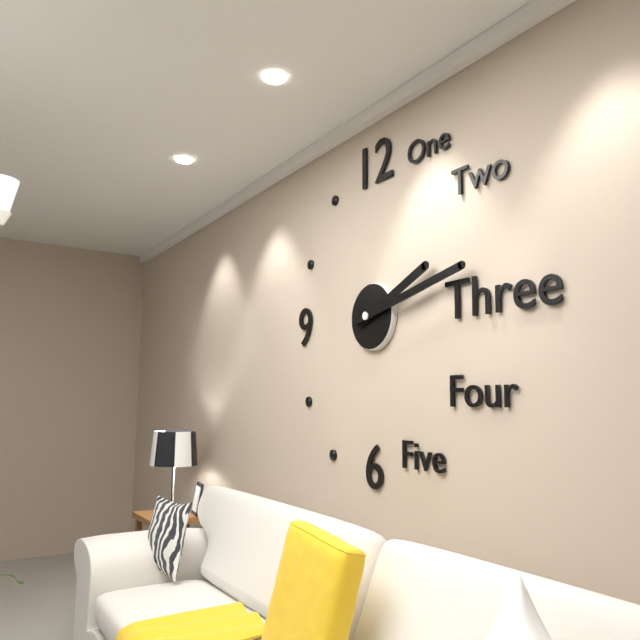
2,13
